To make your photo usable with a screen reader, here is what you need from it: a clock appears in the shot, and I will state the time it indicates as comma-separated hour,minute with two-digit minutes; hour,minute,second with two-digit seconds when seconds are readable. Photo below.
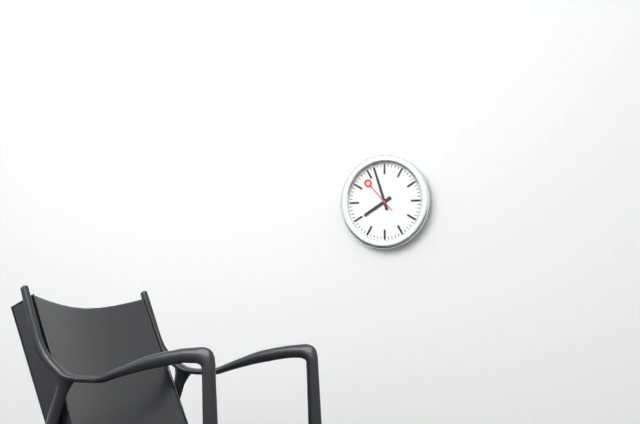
7,57
